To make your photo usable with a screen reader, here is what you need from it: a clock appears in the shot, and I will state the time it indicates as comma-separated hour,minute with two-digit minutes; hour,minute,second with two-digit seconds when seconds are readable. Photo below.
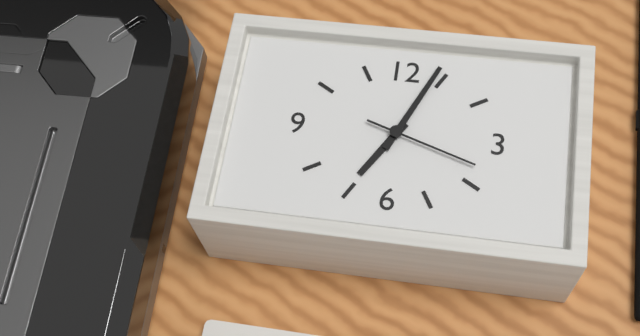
7,04,18
